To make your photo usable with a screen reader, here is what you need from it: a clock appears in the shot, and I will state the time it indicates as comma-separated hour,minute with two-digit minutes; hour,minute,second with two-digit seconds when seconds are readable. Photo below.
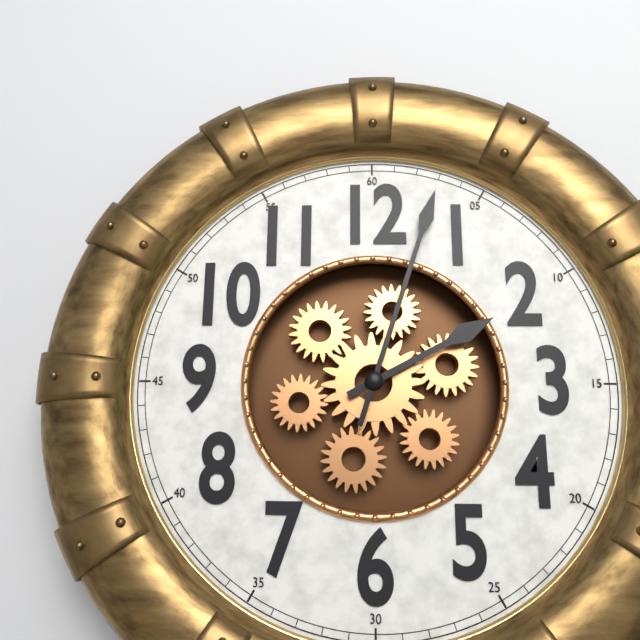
2,03
